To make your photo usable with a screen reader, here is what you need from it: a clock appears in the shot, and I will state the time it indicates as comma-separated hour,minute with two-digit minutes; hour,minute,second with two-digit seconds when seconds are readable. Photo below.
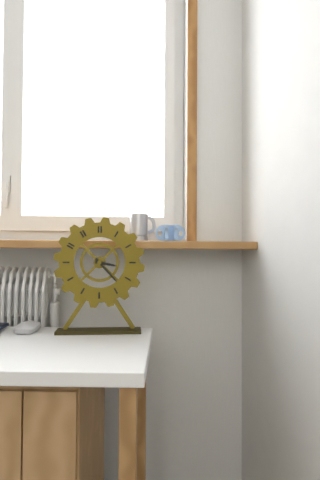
3,23
